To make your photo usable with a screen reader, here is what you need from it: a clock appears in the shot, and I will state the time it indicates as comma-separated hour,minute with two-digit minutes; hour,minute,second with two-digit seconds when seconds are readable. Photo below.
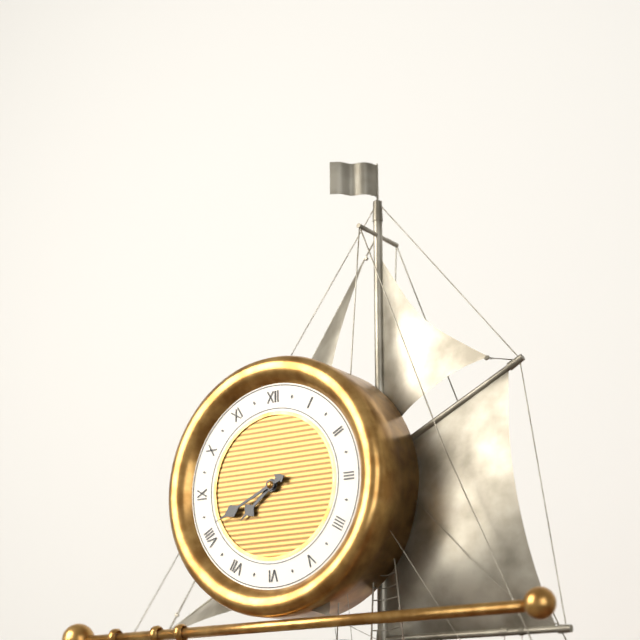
7,41
